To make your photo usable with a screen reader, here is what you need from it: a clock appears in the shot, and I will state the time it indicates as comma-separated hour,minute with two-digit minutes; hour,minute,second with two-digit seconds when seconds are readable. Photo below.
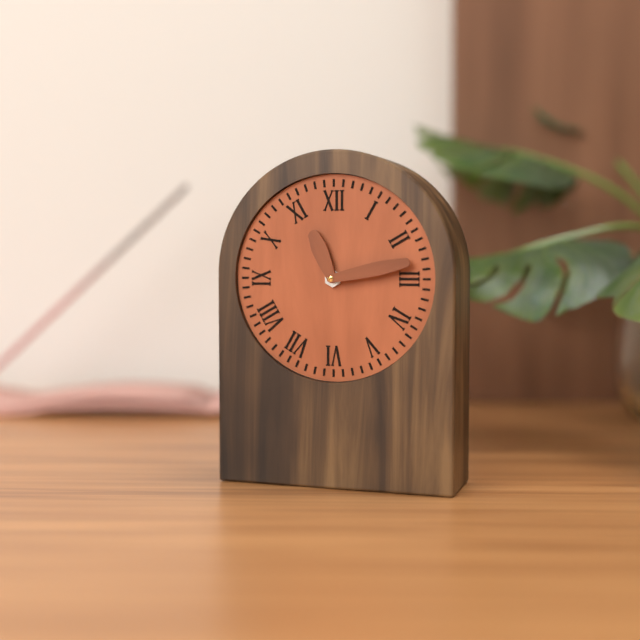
11,13
